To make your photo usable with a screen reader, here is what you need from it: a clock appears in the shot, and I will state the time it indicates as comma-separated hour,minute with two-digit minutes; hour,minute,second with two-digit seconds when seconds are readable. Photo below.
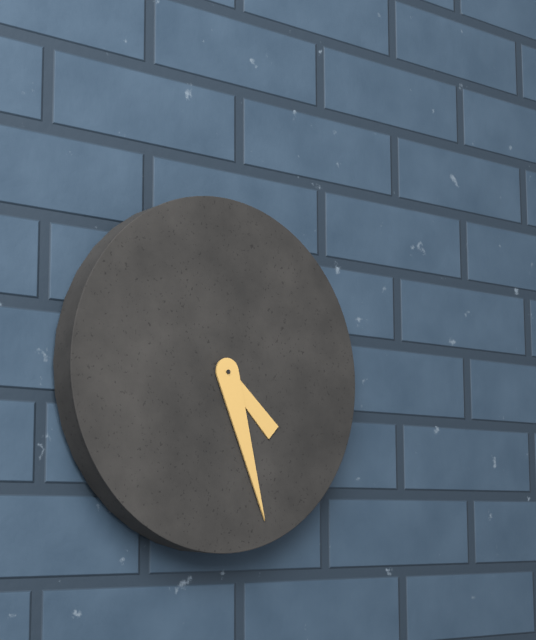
4,27
